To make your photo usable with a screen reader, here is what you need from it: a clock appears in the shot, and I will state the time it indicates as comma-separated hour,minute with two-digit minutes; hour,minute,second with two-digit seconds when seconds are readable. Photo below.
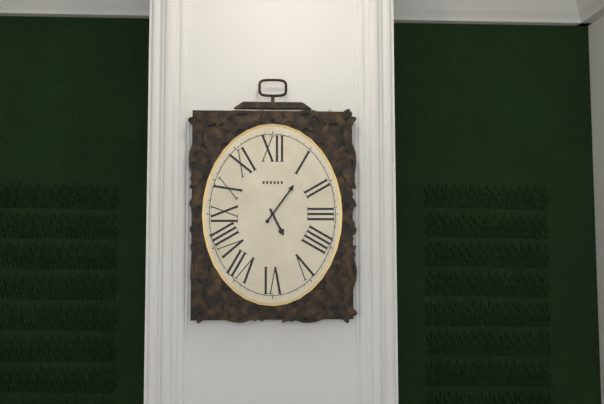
5,06
